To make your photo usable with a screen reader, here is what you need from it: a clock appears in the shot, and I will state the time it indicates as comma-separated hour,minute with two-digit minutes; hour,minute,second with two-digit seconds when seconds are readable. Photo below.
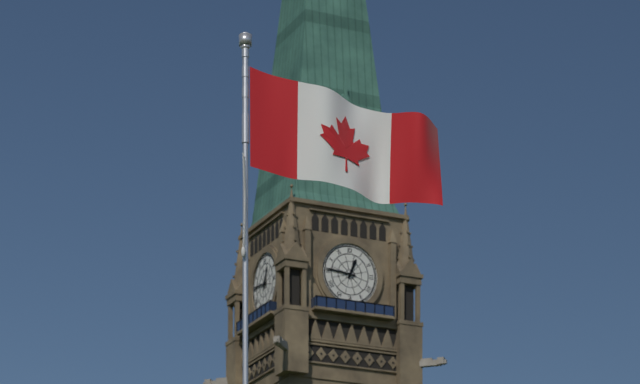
12,46
